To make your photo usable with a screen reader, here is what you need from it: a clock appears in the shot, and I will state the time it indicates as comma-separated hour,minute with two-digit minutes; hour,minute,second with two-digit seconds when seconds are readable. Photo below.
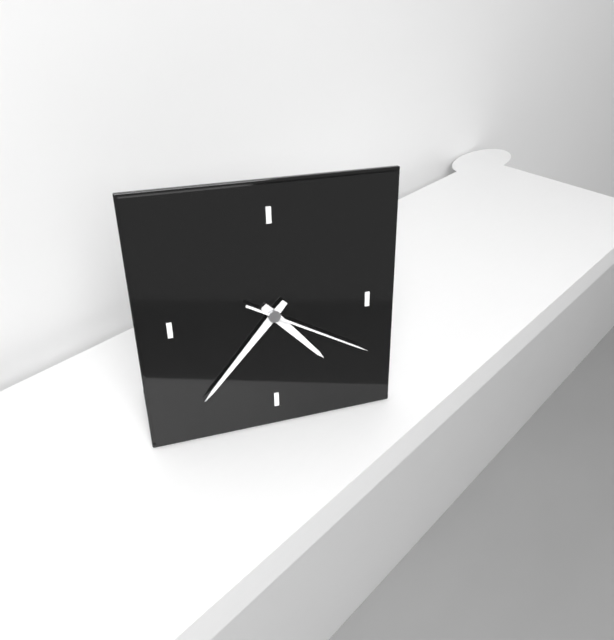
4,37,20
